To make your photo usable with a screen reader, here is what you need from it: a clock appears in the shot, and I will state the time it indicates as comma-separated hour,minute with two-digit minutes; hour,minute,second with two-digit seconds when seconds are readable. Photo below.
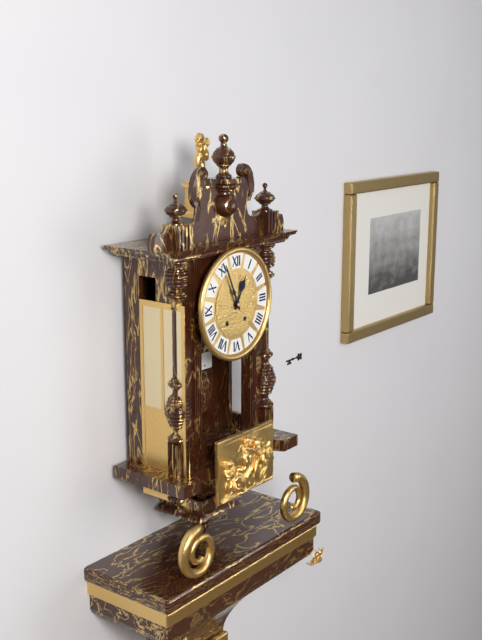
12,56
